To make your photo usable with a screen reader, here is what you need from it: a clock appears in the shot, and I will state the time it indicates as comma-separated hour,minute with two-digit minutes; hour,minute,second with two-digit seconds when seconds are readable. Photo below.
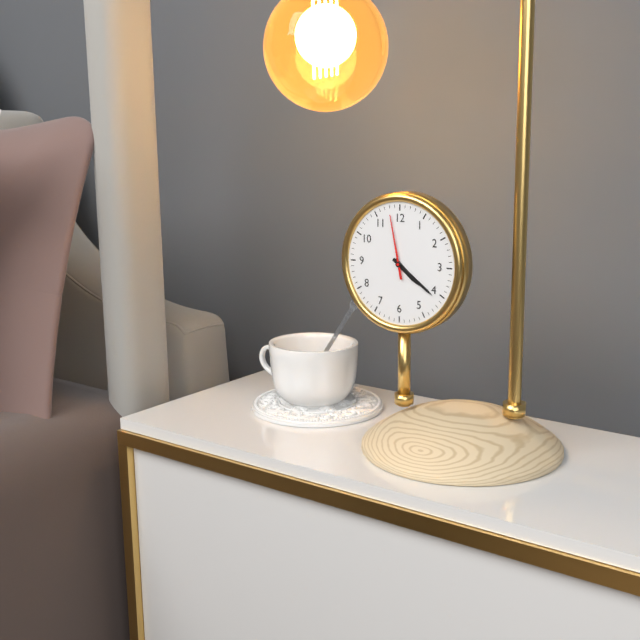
4,21,58
